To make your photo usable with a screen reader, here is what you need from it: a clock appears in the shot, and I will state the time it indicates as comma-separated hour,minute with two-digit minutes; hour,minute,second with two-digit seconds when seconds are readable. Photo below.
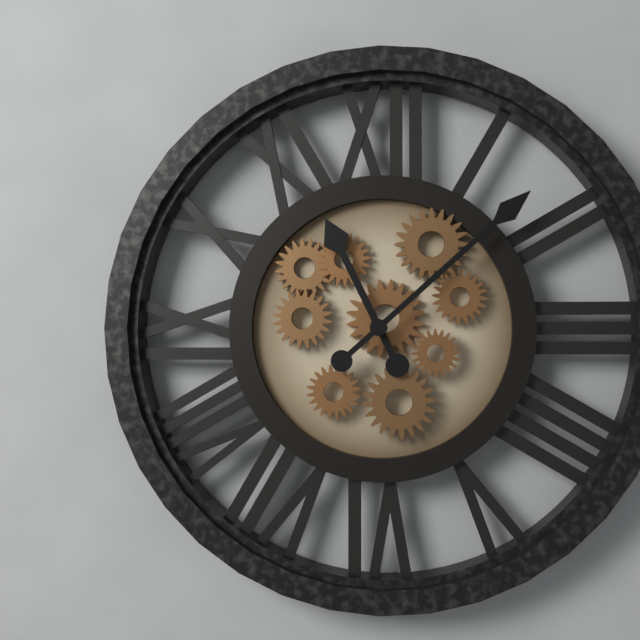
11,08
